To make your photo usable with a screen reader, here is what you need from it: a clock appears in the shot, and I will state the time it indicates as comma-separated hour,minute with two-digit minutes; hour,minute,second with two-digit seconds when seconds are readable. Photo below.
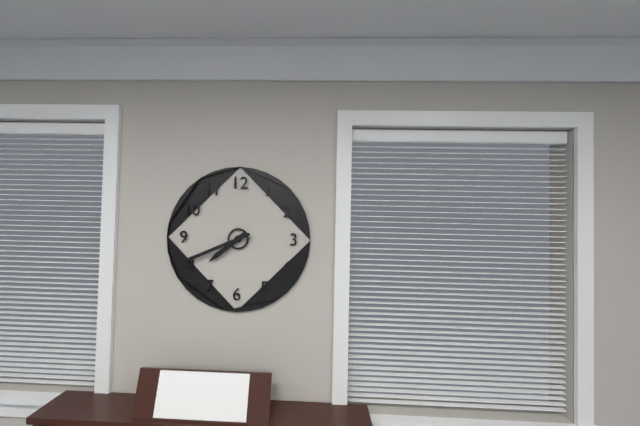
7,41
